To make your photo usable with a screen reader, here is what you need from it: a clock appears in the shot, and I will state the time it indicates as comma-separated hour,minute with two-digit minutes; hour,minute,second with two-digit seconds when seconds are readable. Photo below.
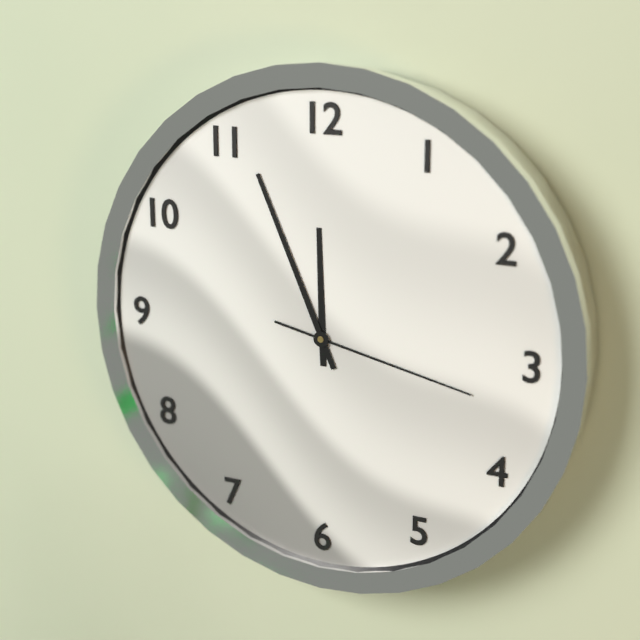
11,56,17
